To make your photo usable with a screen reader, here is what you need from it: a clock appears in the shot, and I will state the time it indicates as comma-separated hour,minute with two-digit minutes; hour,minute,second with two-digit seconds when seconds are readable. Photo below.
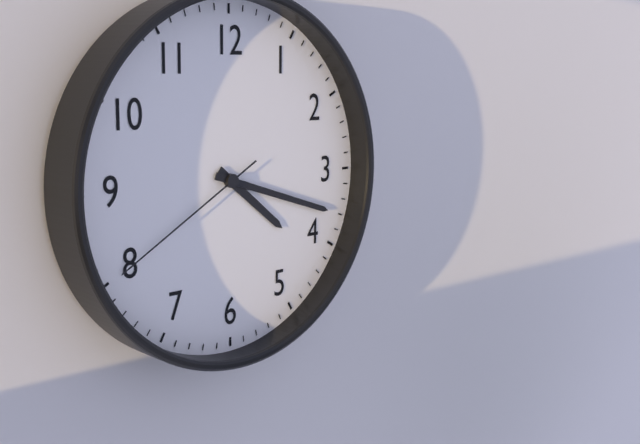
4,18,40
